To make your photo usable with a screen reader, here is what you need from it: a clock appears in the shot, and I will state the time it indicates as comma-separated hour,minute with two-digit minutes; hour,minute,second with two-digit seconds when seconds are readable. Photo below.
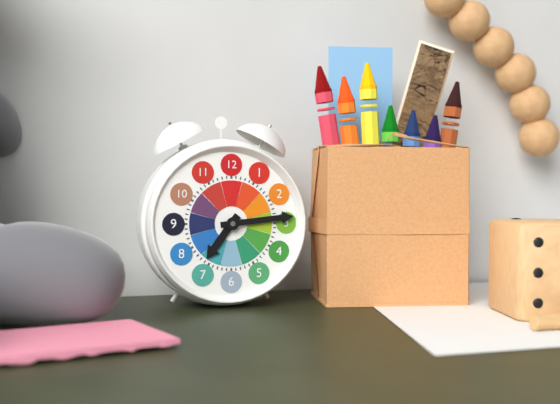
7,14
